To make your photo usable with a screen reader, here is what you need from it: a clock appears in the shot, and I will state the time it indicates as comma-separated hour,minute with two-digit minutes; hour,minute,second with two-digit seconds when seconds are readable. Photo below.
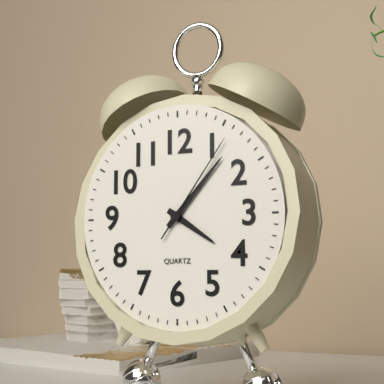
4,07,06
